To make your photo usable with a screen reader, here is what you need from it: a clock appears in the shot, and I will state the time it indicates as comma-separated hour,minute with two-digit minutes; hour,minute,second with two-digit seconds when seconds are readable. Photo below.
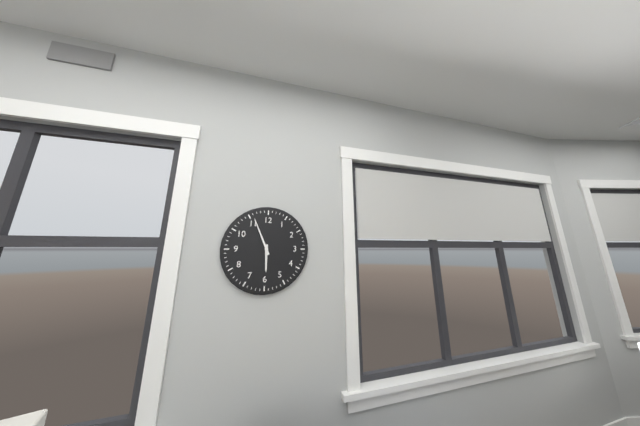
5,56
